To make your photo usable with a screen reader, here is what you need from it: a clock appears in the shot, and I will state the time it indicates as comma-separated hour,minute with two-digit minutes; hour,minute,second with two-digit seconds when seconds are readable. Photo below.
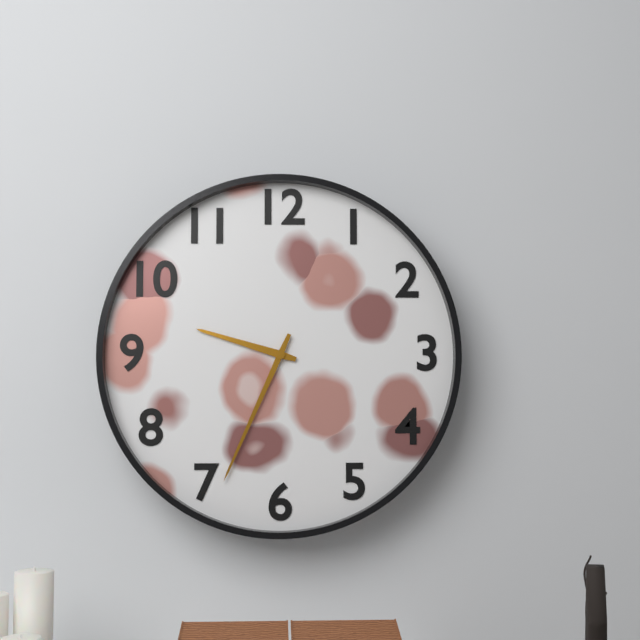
9,34
